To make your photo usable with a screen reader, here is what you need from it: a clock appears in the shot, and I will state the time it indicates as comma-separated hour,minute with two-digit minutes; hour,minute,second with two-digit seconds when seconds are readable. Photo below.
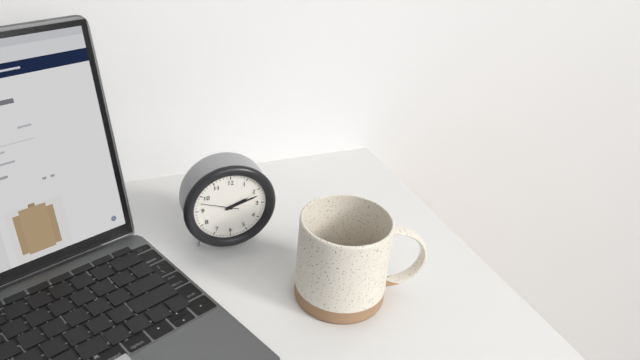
2,12
